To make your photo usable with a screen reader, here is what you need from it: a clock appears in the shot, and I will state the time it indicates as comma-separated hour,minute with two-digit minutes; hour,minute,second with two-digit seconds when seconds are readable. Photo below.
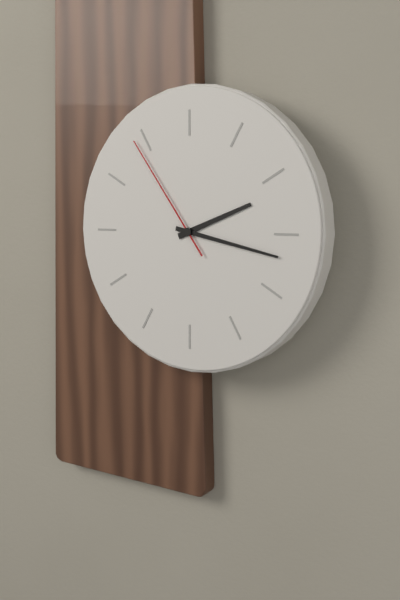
2,17,54
